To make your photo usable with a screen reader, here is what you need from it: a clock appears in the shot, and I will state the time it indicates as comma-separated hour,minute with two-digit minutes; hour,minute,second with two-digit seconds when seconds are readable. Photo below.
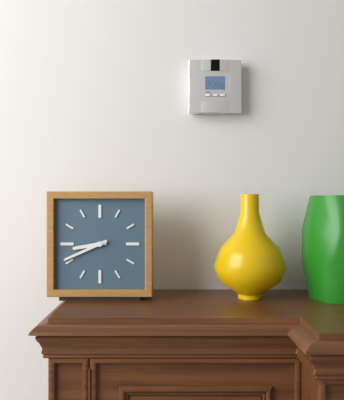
8,41
